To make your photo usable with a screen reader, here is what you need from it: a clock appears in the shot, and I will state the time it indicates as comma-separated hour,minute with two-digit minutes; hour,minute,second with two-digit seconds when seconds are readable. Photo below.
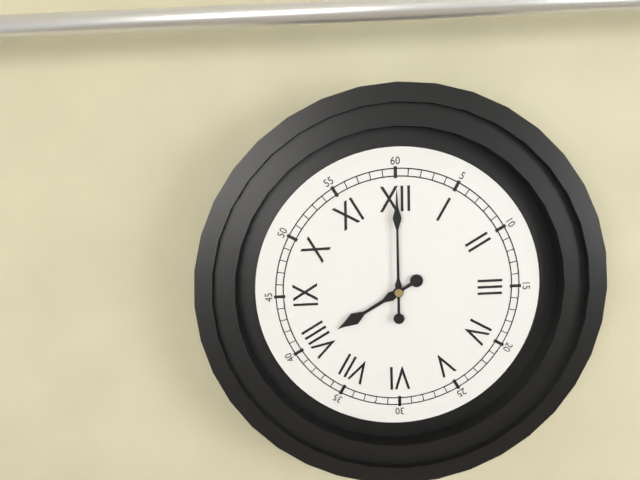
8,00
